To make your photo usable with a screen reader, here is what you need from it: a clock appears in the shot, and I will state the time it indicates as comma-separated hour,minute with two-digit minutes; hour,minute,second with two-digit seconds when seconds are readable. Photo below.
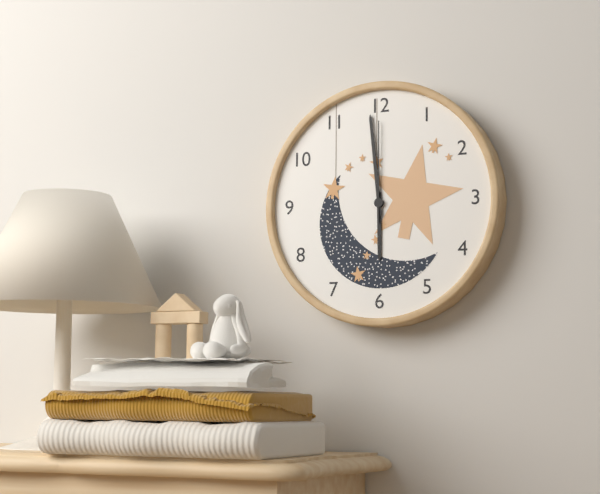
5,59,00
